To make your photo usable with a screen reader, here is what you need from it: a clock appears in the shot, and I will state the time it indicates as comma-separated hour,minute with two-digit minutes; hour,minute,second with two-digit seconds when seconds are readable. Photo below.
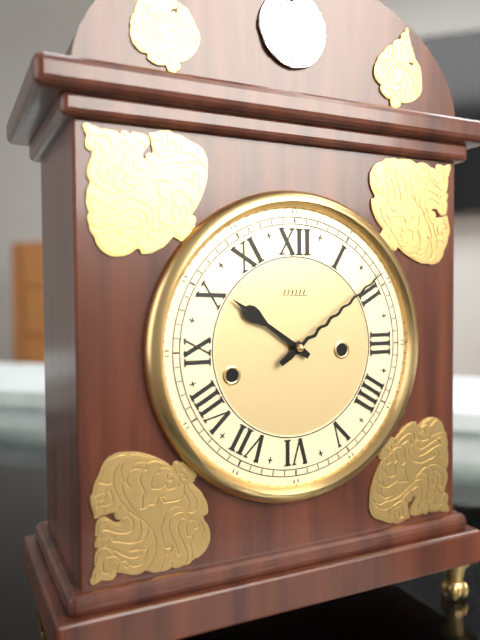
10,09
